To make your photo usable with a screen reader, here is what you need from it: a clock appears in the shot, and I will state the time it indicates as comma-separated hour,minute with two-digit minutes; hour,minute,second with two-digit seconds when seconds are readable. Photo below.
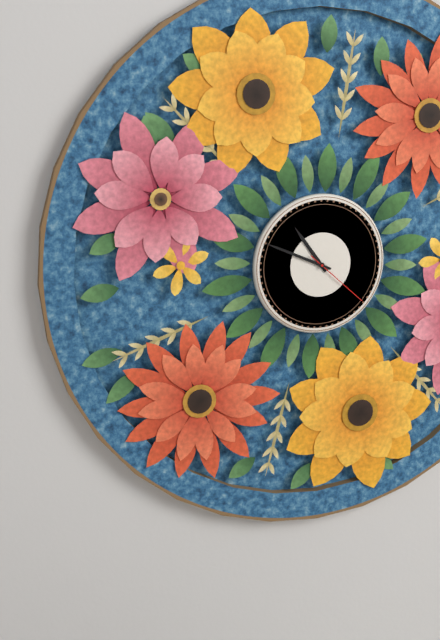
10,49,22
